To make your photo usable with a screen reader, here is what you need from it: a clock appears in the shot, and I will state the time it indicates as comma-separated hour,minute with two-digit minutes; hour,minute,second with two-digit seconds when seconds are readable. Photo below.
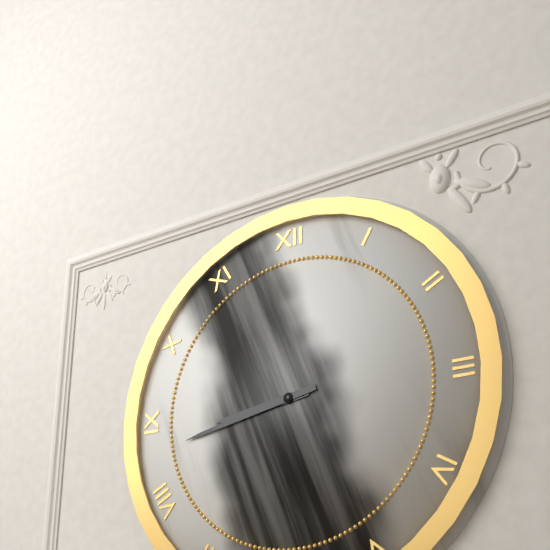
8,43
